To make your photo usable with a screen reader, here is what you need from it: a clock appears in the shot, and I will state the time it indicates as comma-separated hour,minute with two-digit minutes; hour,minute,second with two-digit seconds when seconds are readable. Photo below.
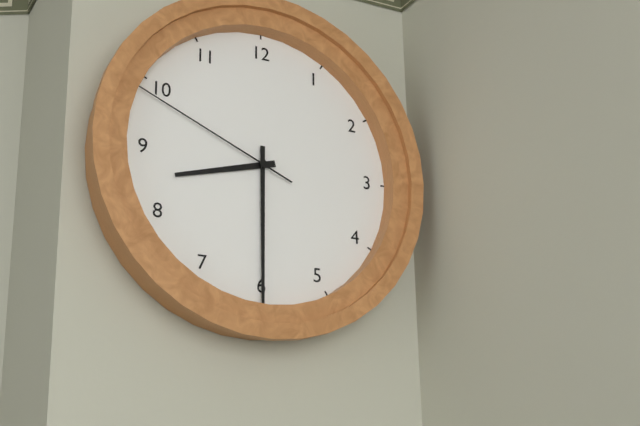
8,30,49
